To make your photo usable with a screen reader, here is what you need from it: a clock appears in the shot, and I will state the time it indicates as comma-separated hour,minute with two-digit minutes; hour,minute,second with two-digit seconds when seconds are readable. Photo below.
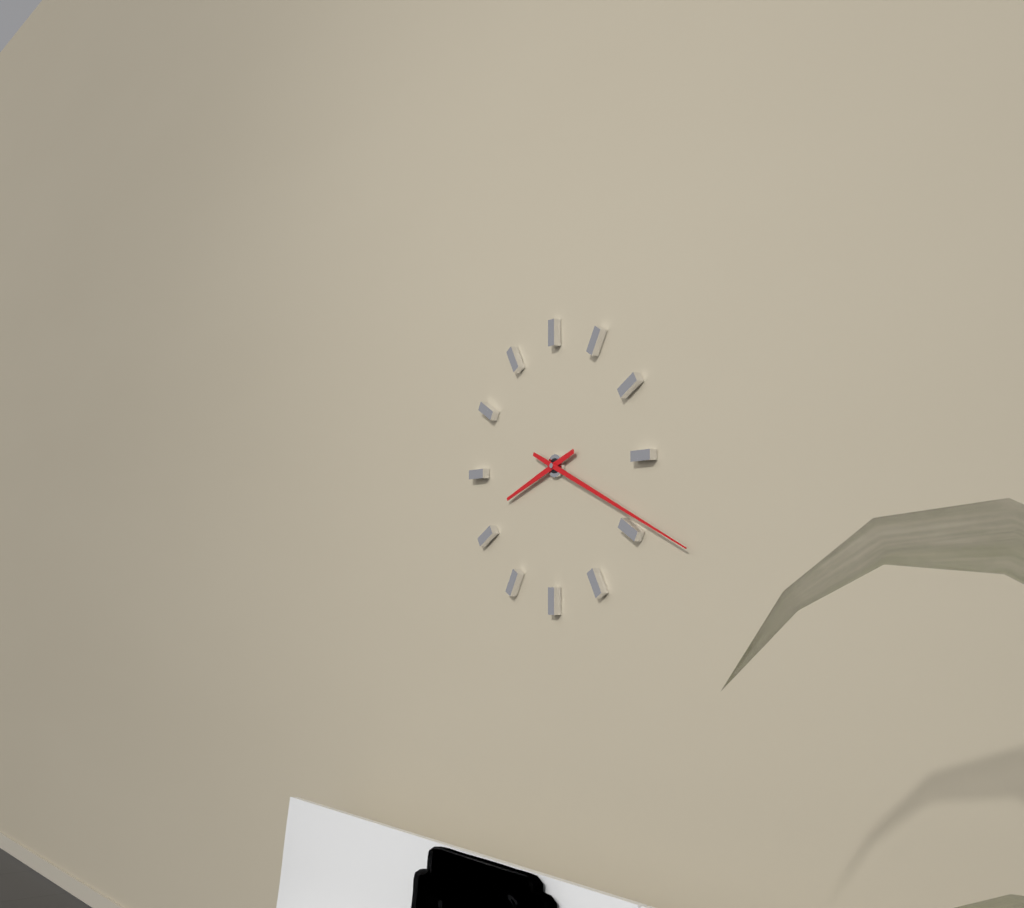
8,19
